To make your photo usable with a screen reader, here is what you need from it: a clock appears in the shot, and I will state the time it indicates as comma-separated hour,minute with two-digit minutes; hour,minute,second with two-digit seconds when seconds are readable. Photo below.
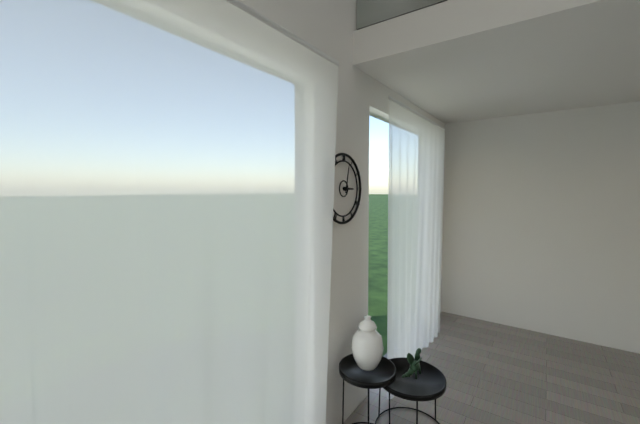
3,02
